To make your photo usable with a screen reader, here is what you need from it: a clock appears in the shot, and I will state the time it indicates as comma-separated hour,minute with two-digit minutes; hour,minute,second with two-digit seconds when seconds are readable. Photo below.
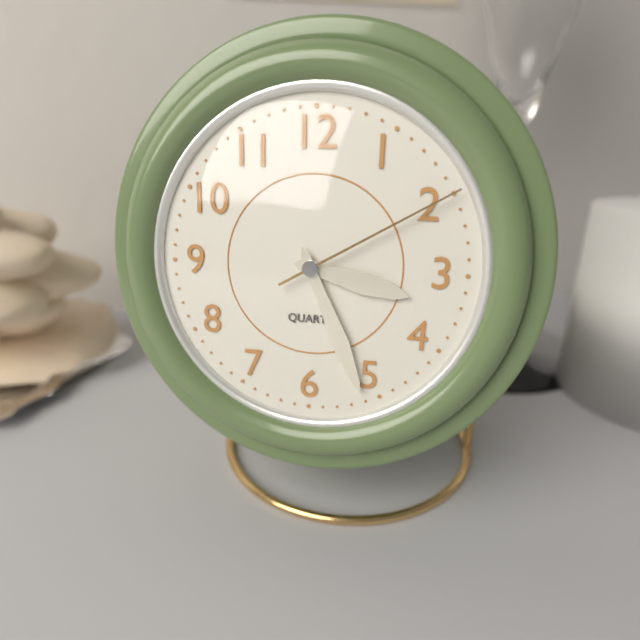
3,26,10
